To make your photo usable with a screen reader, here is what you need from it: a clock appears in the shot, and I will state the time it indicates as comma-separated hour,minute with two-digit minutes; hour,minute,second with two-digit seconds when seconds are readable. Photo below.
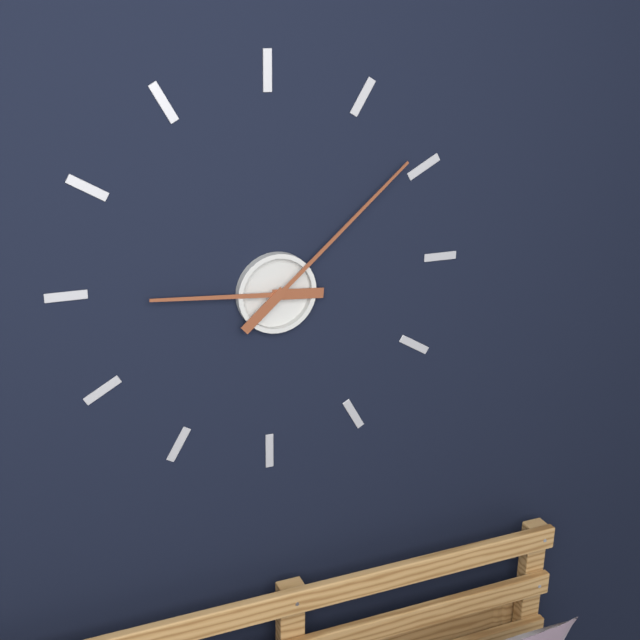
9,08
